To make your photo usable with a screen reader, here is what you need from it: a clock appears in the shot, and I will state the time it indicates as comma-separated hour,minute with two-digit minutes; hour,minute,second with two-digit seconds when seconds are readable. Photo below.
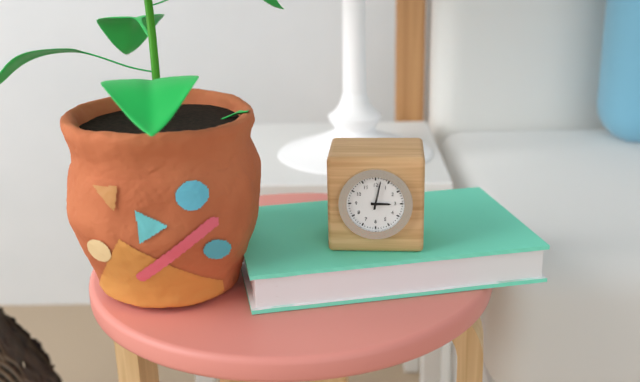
3,02
